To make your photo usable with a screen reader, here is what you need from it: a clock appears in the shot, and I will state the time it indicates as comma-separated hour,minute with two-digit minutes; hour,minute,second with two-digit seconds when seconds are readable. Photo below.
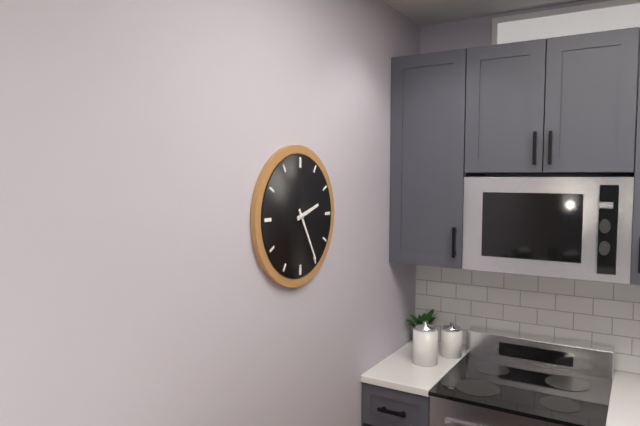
2,25
